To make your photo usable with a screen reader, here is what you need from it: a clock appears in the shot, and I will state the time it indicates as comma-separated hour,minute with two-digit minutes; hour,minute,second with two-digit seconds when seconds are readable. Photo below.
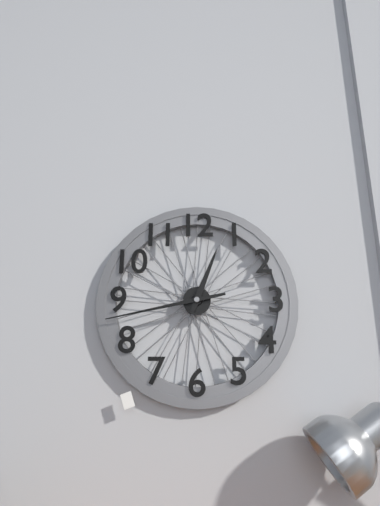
12,43
